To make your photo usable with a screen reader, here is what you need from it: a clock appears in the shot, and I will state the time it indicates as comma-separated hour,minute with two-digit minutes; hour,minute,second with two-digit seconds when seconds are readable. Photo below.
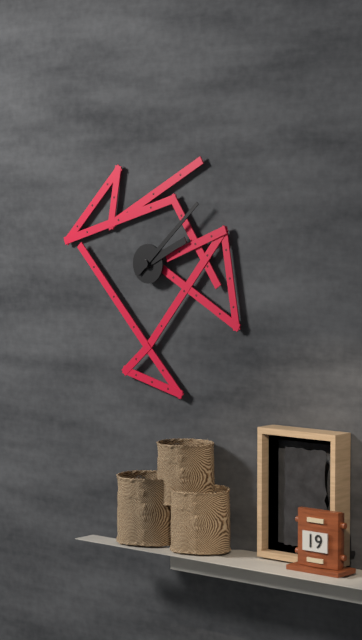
2,08
